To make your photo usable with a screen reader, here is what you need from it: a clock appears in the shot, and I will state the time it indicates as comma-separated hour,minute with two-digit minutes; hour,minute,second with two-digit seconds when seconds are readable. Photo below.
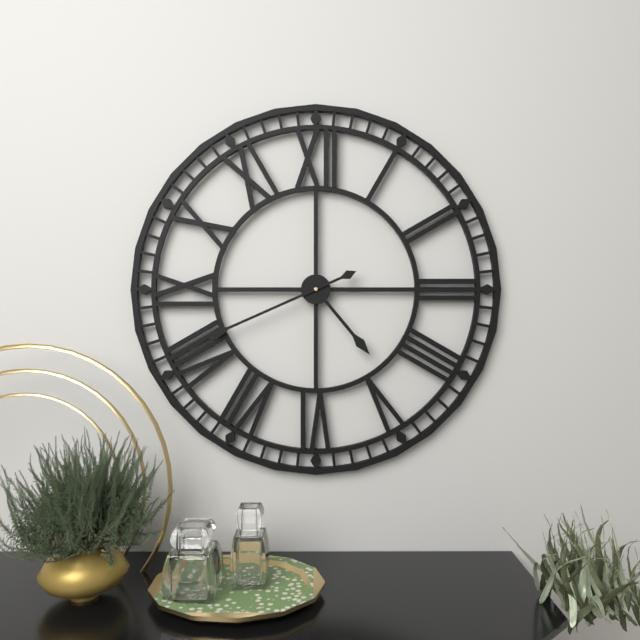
4,41
